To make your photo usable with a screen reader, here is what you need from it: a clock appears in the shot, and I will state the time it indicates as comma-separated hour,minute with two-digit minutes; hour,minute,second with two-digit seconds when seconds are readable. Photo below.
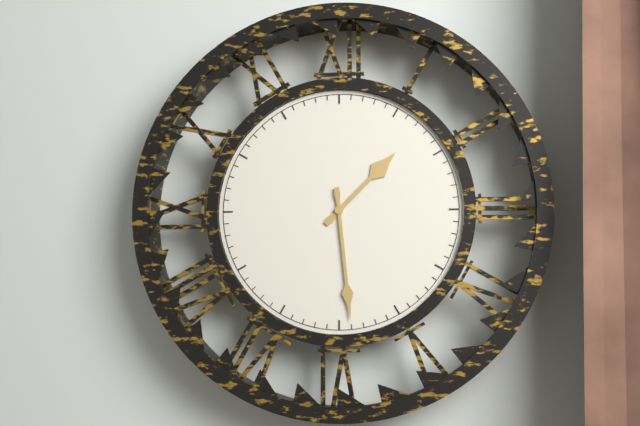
1,29
